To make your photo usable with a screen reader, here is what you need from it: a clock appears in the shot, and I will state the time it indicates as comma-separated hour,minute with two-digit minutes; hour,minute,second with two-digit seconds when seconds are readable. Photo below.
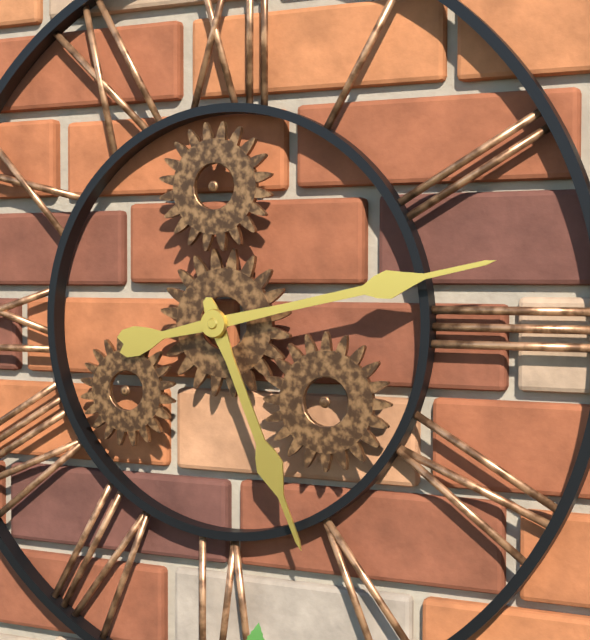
5,13
